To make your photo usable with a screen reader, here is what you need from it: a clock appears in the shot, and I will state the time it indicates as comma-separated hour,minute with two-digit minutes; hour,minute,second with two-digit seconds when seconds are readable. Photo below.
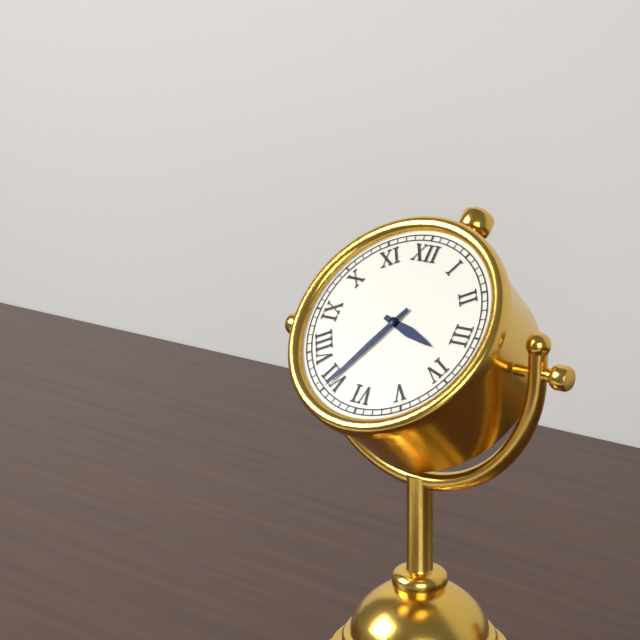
3,35
